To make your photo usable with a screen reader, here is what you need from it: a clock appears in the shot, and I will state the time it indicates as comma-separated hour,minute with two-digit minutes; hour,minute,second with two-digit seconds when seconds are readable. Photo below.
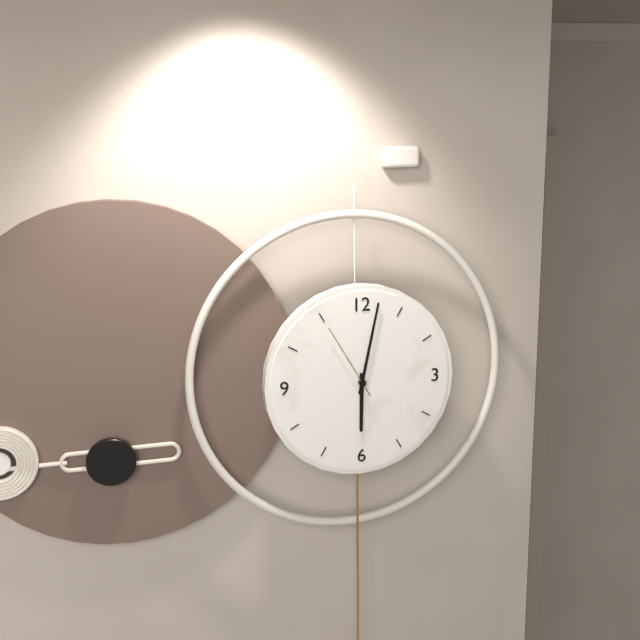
6,02,55
